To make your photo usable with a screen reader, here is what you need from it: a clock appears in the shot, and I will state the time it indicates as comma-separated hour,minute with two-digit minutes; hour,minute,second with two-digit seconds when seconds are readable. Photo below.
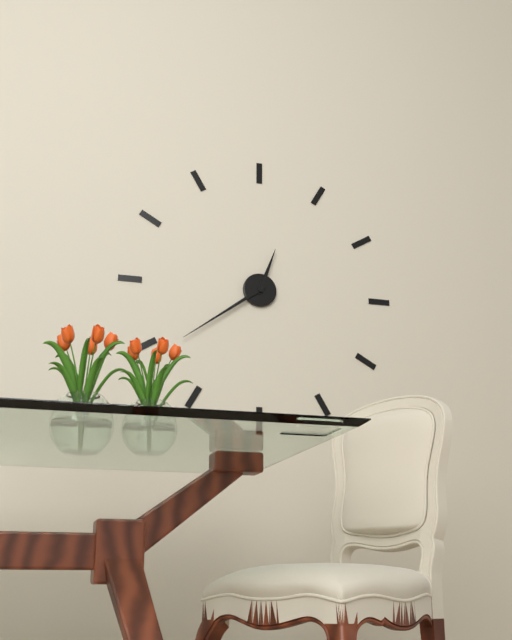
12,39
